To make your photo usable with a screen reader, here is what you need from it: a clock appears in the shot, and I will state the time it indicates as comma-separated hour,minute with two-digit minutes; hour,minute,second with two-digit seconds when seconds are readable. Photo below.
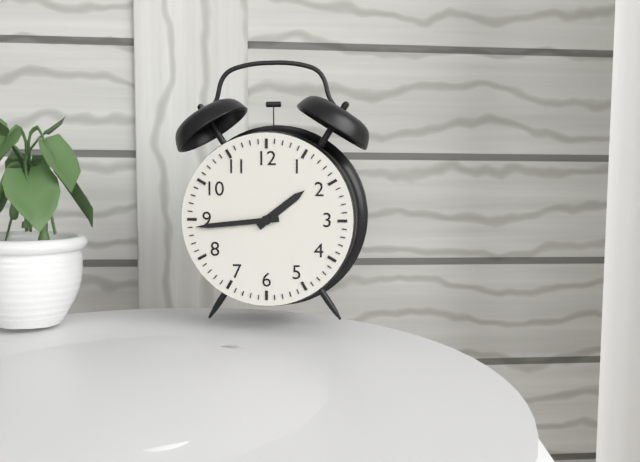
1,44
